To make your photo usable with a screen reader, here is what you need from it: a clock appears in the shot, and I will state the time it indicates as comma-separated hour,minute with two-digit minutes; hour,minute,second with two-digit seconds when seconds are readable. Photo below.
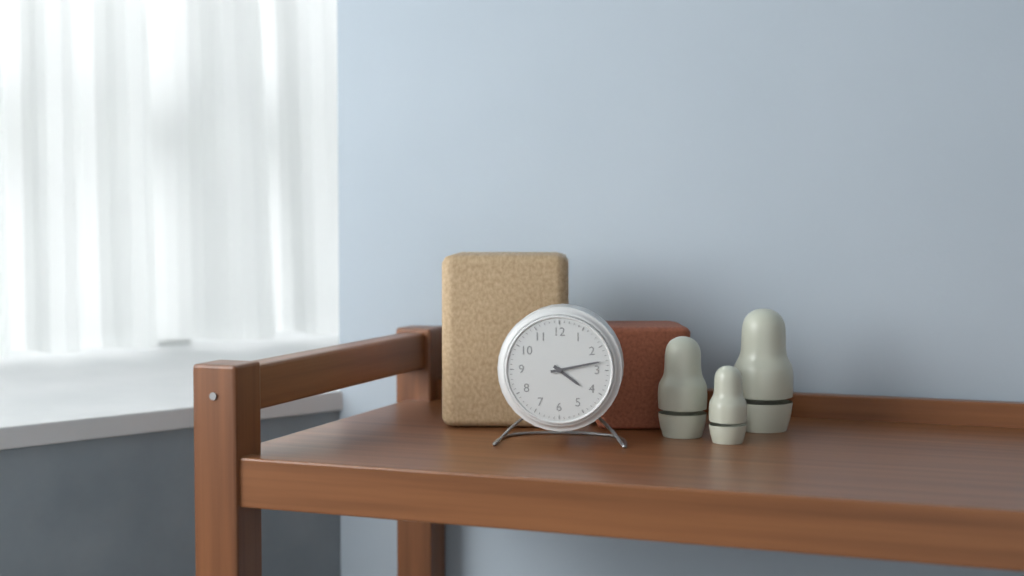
4,13
